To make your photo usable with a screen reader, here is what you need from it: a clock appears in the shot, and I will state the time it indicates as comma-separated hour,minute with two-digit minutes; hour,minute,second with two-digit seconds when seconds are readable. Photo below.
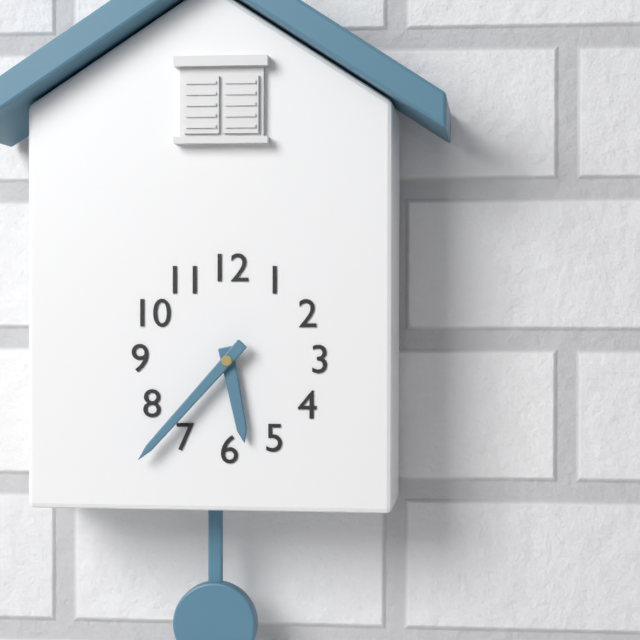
5,37
